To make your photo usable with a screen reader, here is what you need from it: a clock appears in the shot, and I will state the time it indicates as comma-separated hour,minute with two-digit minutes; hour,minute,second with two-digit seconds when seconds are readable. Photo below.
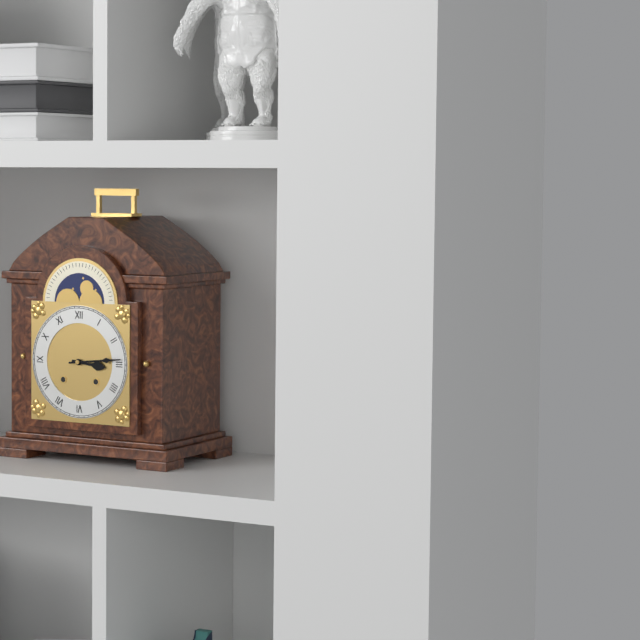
3,14
